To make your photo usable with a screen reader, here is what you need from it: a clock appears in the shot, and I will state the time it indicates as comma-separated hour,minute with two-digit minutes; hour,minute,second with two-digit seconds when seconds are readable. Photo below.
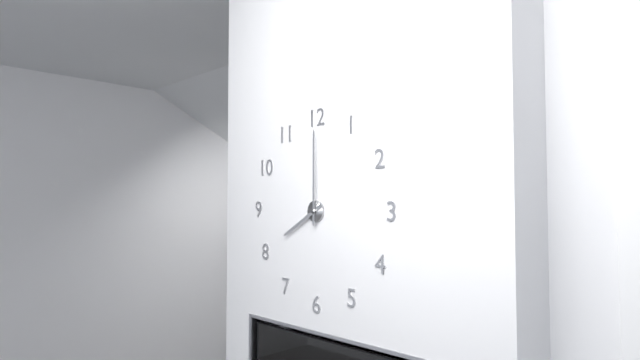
8,00
